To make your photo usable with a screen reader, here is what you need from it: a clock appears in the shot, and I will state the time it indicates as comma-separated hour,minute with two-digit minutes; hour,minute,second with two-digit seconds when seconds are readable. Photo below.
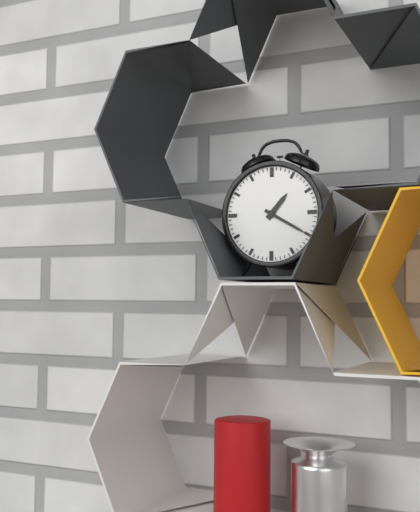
1,20
